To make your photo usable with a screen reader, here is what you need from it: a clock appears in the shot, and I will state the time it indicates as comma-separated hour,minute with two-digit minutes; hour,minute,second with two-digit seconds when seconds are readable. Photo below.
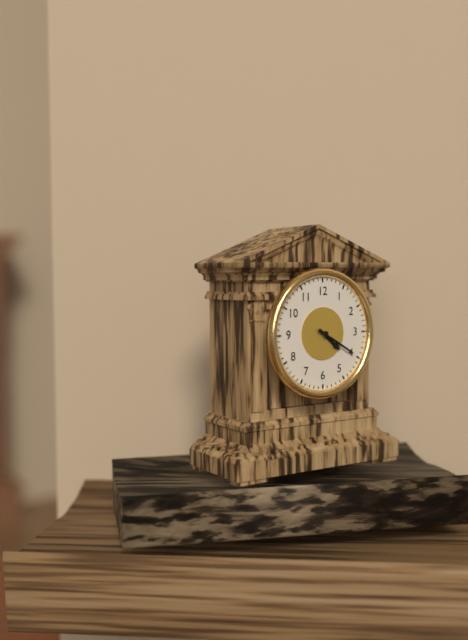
4,20
